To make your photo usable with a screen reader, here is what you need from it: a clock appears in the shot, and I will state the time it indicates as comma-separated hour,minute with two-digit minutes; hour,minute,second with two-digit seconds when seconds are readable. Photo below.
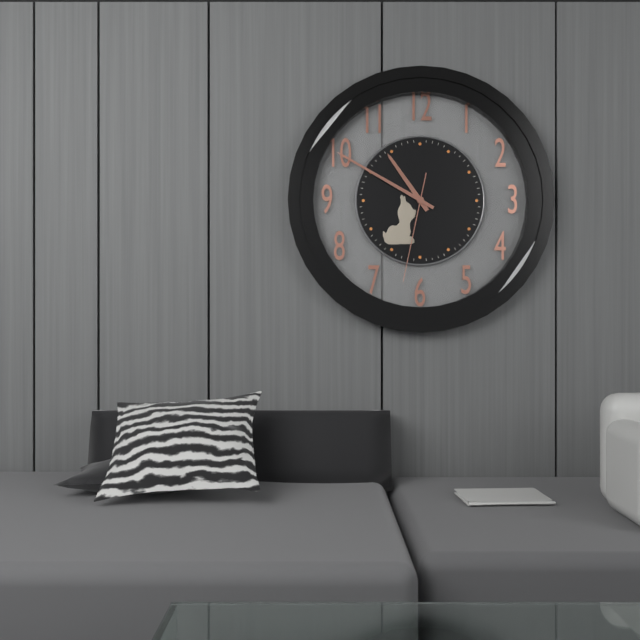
10,50,32
